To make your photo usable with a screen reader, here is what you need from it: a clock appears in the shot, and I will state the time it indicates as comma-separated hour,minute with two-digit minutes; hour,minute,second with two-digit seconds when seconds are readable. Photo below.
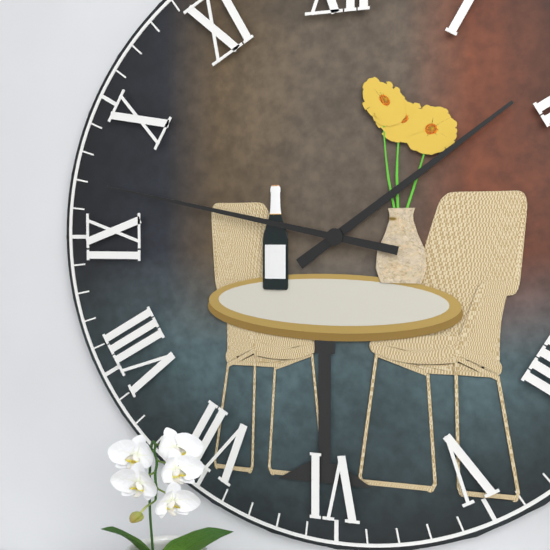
1,47
